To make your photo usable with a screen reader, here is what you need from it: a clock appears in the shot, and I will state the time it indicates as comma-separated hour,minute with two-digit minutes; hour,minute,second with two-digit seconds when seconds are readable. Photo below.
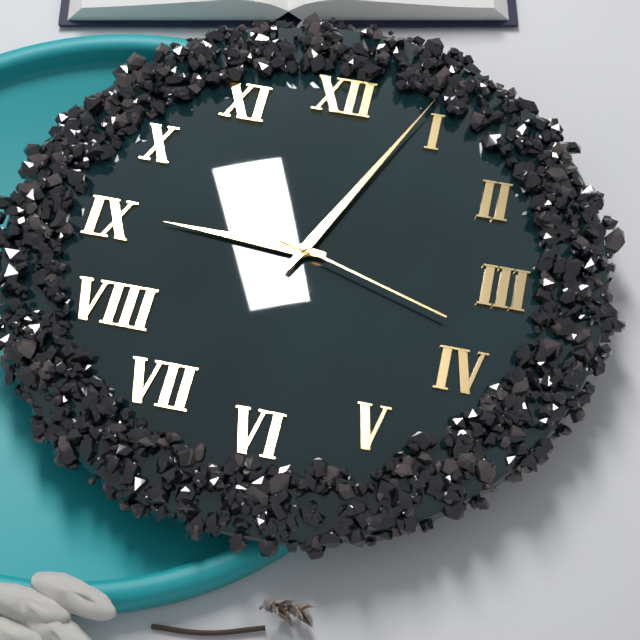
9,04,18
